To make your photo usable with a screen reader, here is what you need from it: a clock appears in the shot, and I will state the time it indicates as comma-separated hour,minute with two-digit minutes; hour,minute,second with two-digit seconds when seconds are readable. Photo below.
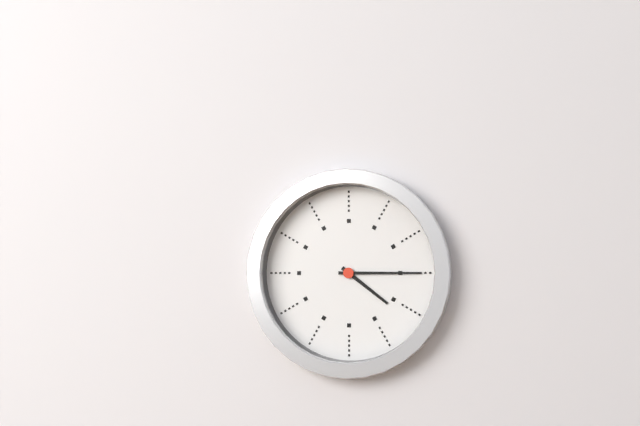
4,15
